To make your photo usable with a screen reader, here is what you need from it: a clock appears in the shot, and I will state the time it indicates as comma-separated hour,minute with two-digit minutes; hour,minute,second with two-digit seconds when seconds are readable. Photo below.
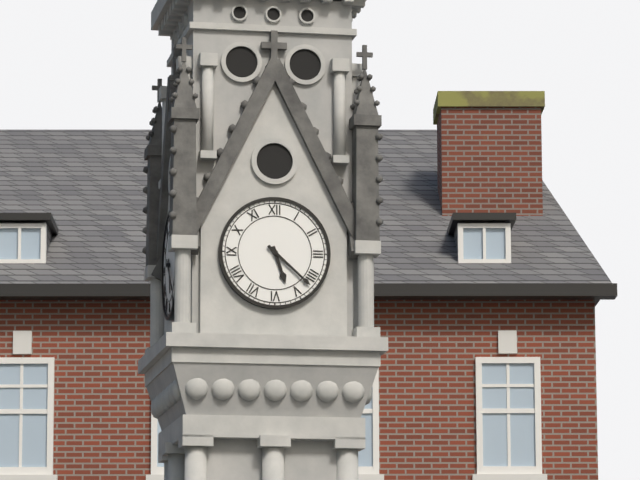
5,22
